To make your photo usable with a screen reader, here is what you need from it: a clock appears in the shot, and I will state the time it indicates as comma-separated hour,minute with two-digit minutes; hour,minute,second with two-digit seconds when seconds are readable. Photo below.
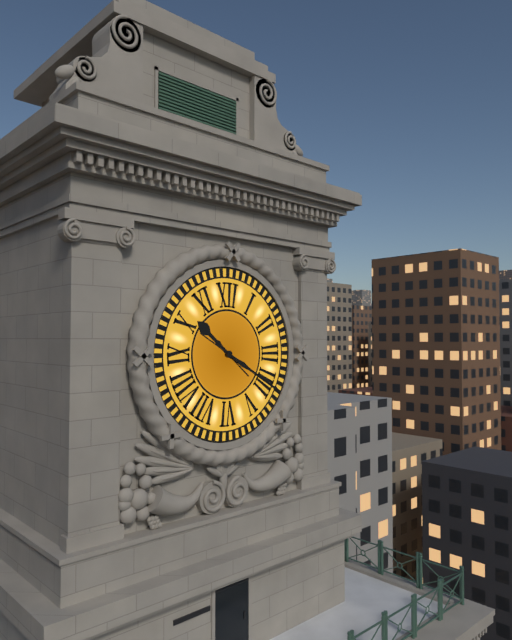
10,20
